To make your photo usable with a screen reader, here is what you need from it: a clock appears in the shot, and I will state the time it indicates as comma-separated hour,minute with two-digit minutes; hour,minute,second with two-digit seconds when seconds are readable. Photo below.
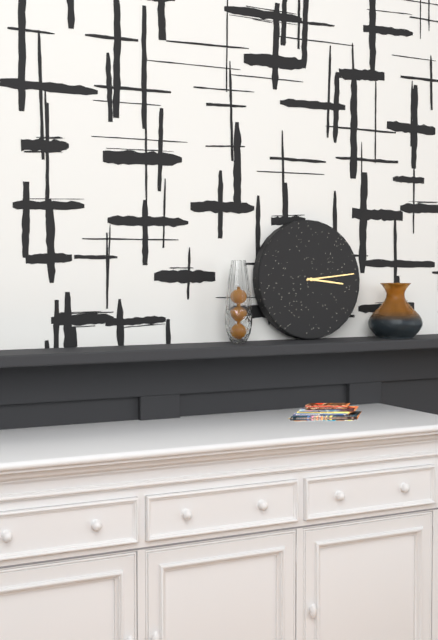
3,14
